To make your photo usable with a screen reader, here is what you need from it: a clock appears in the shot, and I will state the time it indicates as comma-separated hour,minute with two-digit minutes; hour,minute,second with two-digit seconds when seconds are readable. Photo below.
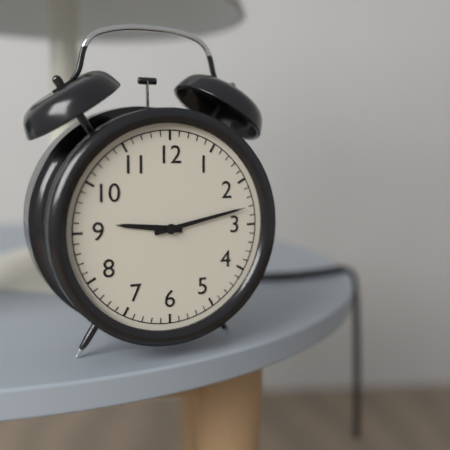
9,13
